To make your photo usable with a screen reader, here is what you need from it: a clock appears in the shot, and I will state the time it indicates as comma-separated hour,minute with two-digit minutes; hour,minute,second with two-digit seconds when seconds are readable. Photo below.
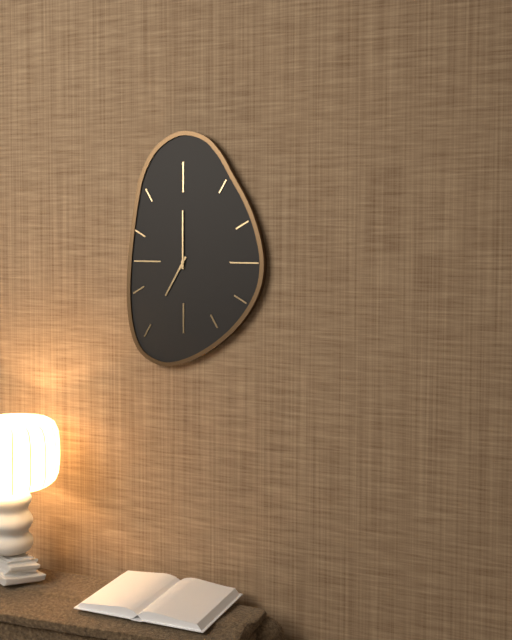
7,00
